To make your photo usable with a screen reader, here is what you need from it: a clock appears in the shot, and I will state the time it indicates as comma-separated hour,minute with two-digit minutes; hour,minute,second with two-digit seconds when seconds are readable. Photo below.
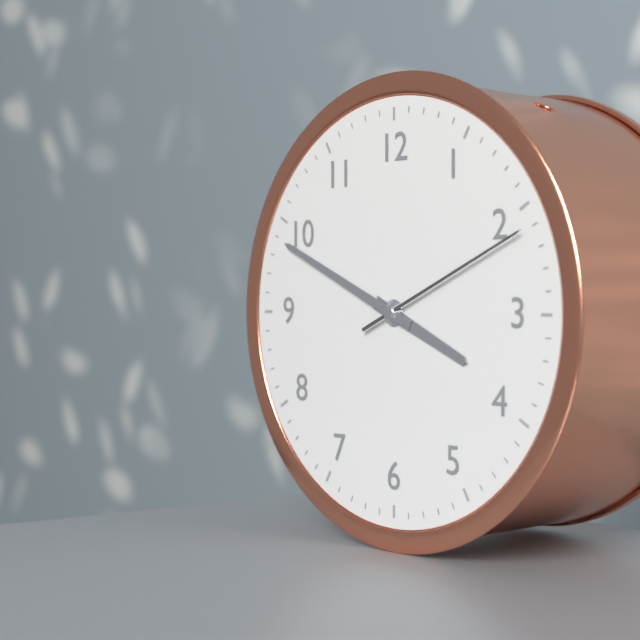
3,49,11
